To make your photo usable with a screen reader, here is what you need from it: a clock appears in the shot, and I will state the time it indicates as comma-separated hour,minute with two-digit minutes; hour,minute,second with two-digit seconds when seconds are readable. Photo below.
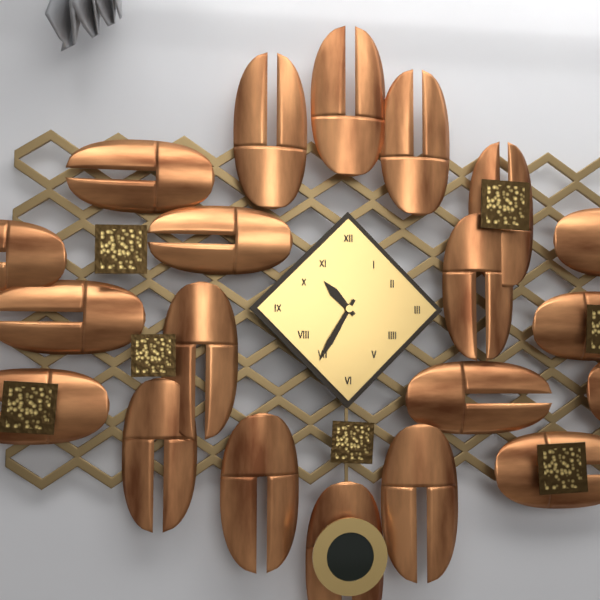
10,35
